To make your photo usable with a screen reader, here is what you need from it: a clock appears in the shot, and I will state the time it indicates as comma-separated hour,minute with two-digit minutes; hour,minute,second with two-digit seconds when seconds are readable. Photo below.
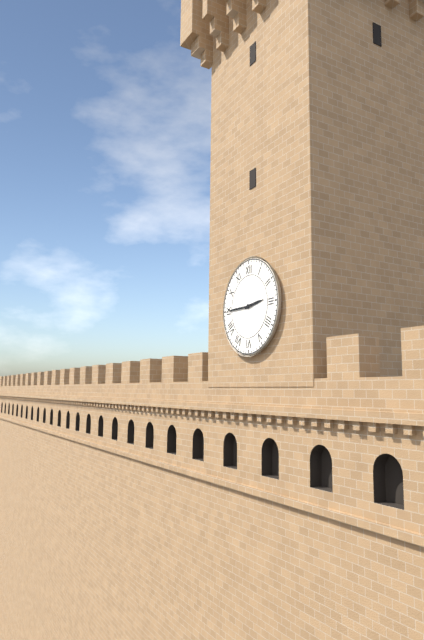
2,45
